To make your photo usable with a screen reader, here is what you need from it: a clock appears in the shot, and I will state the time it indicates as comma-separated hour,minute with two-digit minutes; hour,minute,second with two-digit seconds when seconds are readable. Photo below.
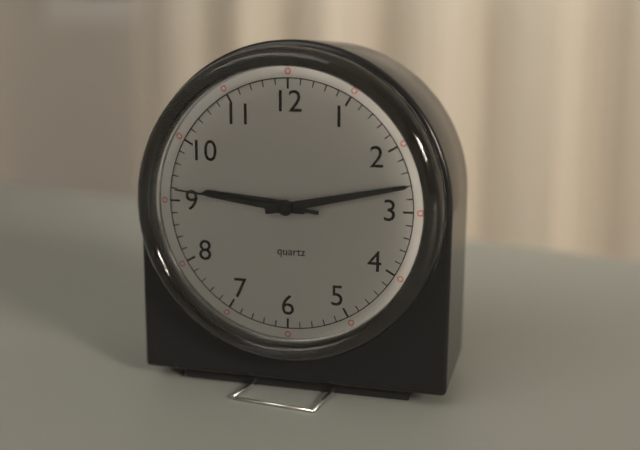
9,13,46
